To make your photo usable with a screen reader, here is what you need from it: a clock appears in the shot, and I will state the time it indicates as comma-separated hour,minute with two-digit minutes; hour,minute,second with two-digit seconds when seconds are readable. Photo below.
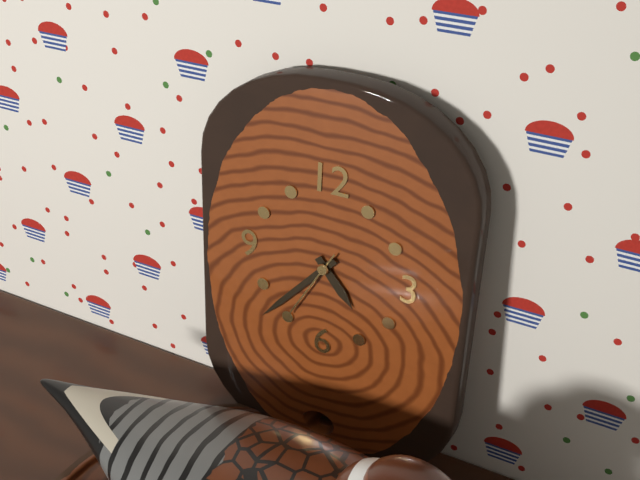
4,37,35
